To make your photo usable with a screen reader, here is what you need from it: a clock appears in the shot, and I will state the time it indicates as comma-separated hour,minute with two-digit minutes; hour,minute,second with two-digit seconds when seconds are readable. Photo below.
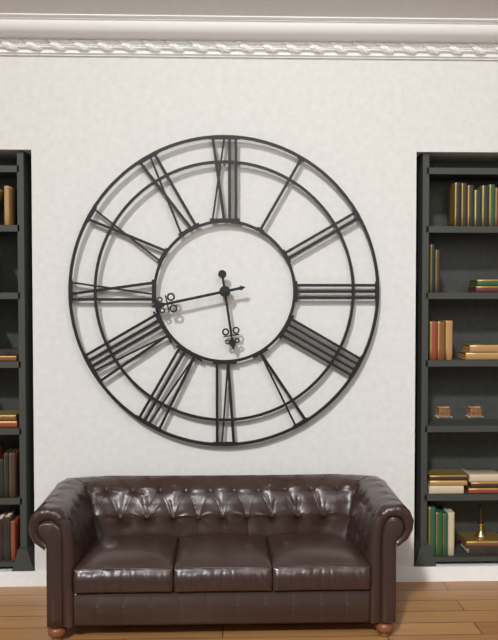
5,43
